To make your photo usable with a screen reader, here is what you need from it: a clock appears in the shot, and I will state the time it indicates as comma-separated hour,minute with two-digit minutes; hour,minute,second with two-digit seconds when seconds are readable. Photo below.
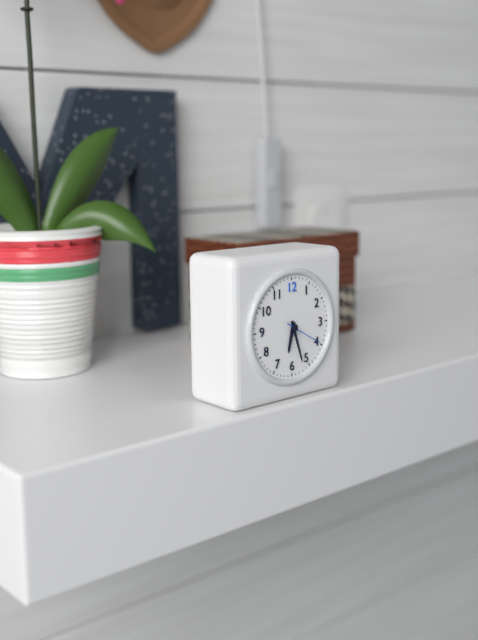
6,27
